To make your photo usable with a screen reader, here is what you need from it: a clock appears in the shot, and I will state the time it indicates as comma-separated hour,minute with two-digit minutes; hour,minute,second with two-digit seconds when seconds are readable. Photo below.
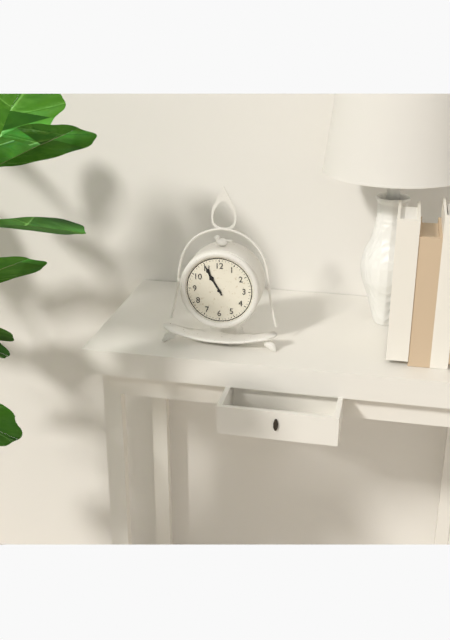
10,55
